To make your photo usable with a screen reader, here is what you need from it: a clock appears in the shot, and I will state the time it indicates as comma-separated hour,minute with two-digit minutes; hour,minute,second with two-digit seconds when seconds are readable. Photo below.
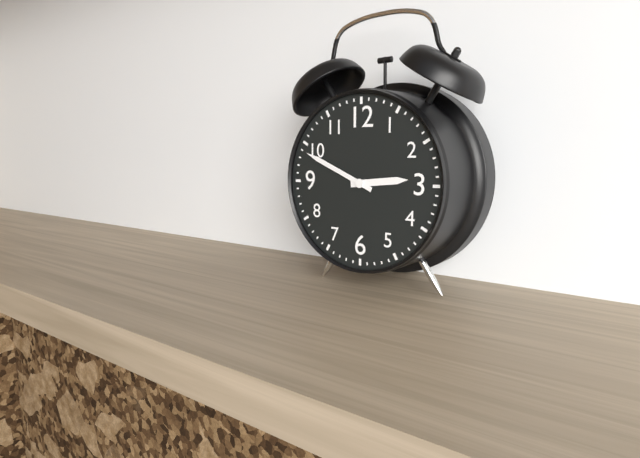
2,49
